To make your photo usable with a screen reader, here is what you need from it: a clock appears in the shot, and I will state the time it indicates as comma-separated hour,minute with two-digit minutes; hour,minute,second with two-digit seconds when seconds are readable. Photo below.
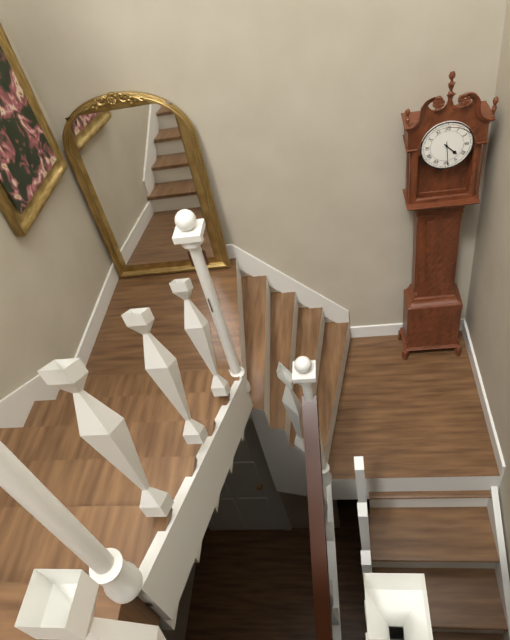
4,29
